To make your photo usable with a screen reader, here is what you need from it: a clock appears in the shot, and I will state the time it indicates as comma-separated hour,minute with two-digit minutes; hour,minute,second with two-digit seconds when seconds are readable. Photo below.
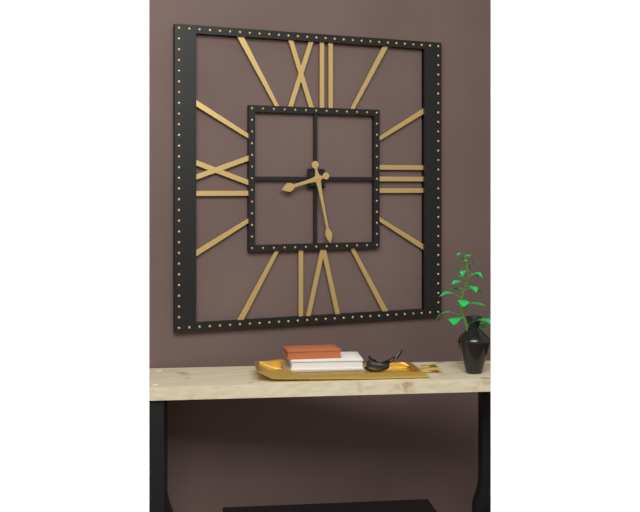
8,28
